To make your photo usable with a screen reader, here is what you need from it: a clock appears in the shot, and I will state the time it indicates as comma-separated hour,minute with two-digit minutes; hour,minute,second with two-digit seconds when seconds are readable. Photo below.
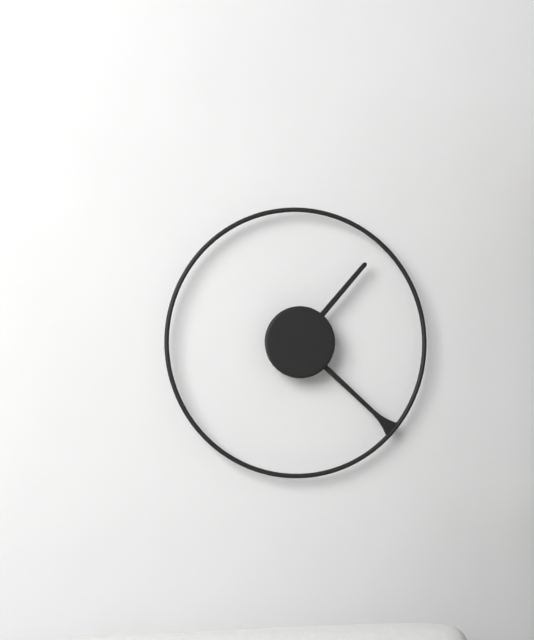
1,22
